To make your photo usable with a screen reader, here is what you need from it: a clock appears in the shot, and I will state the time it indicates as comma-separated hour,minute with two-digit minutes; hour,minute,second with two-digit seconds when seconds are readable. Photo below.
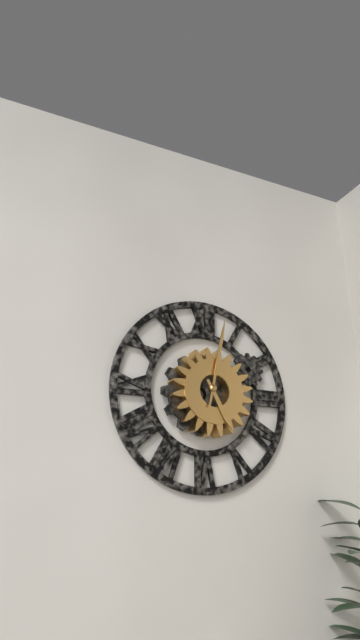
5,02
